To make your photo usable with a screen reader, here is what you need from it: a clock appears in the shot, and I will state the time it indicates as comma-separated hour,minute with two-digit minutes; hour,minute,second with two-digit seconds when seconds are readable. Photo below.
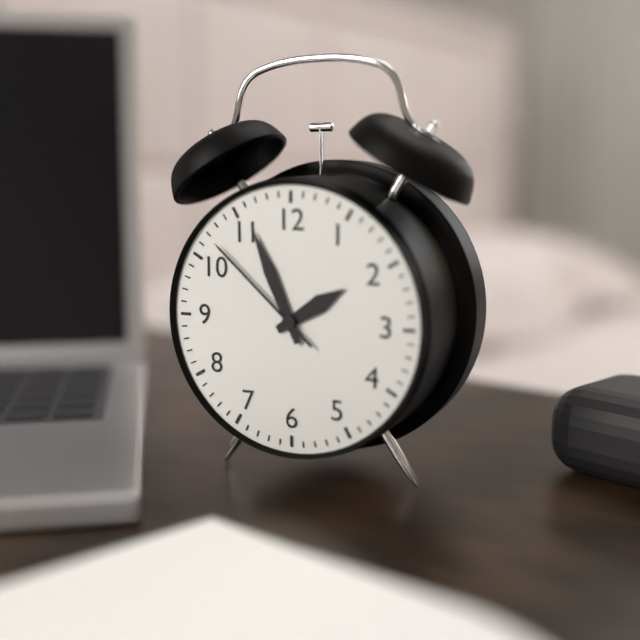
1,56,52
